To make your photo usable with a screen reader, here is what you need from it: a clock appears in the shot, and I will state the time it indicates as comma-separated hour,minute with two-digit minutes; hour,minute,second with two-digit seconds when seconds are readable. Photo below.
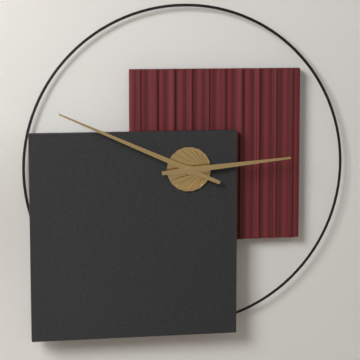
2,49
